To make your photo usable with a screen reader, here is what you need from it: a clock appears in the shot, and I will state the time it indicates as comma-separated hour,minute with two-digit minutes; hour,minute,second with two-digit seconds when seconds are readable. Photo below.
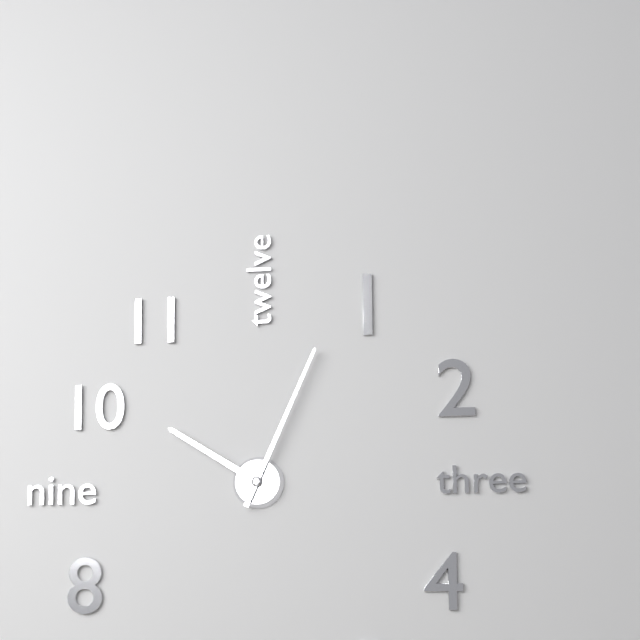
10,04
